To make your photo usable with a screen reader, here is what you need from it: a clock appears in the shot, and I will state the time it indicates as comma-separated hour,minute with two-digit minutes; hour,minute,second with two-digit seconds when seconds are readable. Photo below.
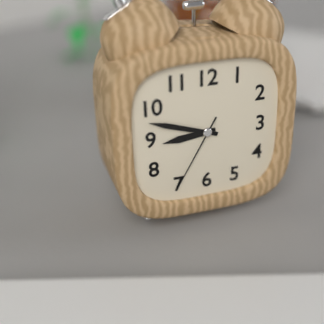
8,48,35
